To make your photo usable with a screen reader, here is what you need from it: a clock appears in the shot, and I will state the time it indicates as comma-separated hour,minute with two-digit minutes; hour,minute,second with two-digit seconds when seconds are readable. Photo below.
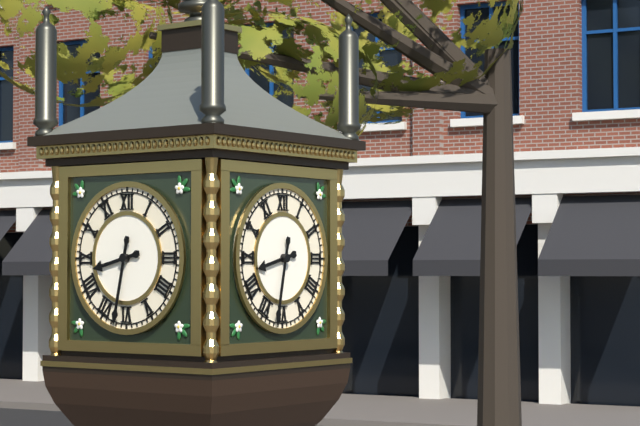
8,32
